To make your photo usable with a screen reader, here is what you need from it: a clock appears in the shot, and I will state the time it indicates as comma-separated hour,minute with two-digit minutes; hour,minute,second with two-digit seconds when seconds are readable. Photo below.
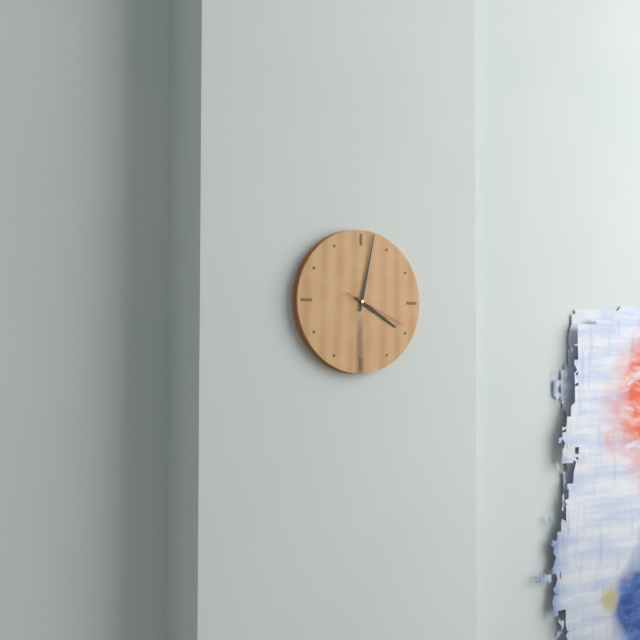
4,02,19
